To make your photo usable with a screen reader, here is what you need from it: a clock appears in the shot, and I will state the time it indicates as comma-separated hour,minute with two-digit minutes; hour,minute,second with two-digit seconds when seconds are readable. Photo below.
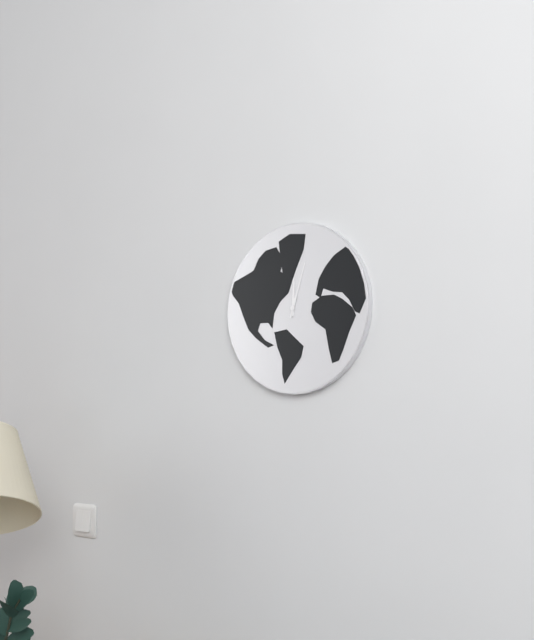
12,03
